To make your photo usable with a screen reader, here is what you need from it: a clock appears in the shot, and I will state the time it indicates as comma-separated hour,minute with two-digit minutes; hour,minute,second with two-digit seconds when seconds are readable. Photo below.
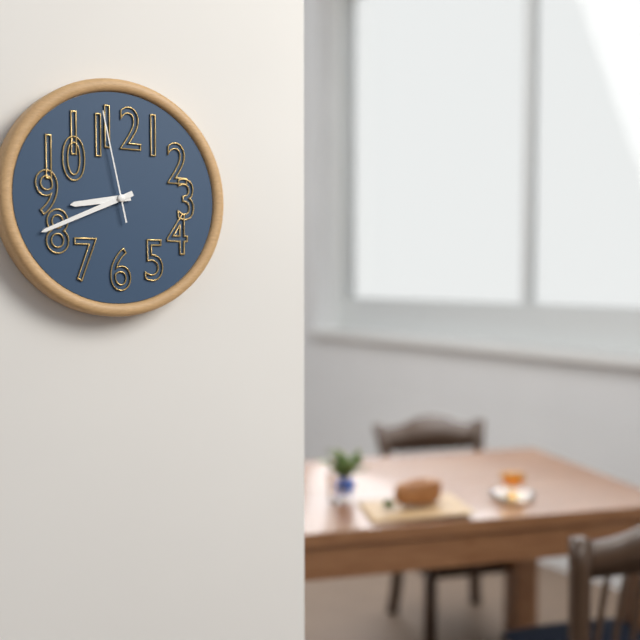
8,41,58
